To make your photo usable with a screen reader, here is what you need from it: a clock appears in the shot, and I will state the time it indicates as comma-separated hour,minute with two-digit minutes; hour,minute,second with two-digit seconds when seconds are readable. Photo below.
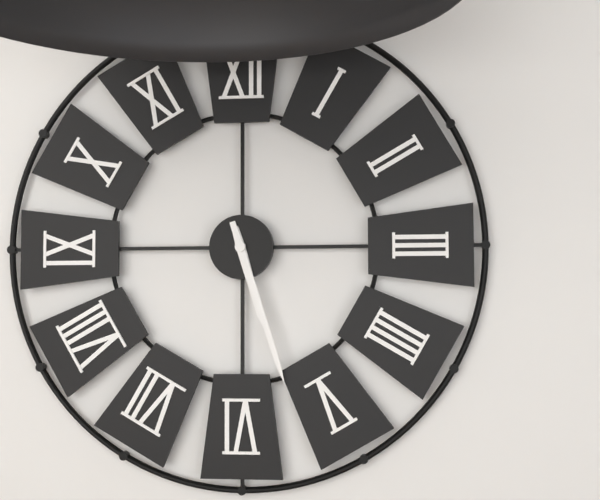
5,27
